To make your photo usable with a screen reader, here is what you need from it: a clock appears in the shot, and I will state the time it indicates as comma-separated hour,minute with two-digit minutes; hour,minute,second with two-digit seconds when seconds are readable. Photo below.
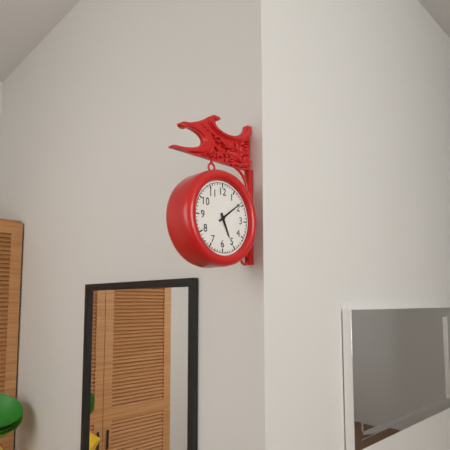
5,09
